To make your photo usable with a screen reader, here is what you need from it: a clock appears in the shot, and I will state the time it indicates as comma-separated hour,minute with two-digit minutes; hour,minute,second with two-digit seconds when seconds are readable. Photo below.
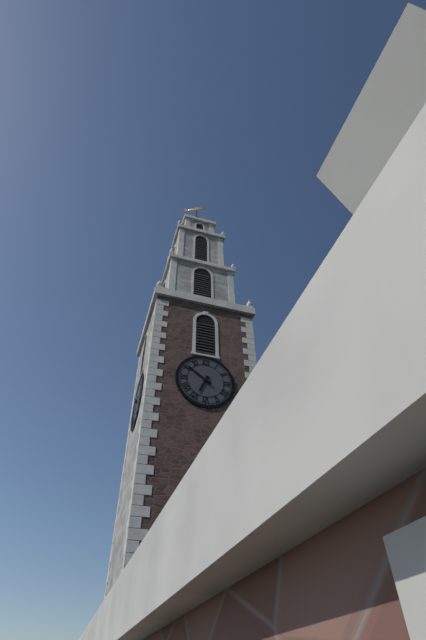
6,51
